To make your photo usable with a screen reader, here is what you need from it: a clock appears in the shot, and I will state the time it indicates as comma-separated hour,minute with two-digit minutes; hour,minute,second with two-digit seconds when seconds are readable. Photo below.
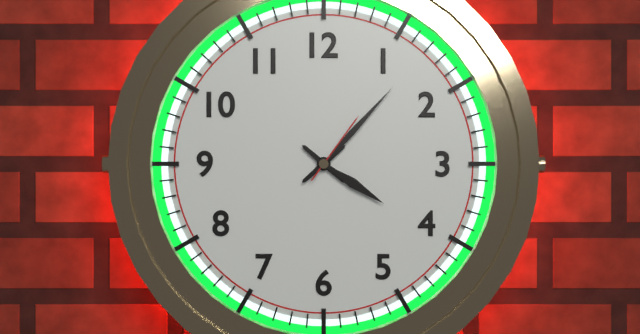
4,07,06
